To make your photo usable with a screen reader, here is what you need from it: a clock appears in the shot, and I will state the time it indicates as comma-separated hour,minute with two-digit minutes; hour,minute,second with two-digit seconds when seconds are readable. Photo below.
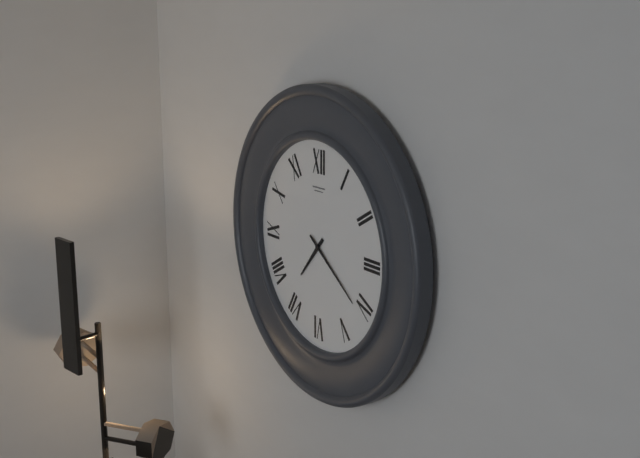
7,21
